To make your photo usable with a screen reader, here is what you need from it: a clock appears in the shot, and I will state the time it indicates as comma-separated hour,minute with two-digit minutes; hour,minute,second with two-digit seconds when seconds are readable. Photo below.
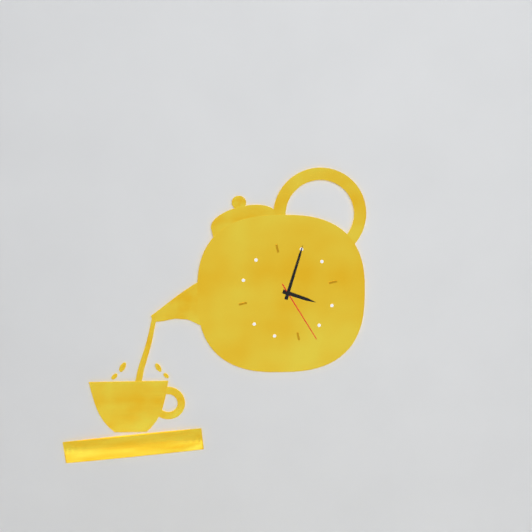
4,05,27
